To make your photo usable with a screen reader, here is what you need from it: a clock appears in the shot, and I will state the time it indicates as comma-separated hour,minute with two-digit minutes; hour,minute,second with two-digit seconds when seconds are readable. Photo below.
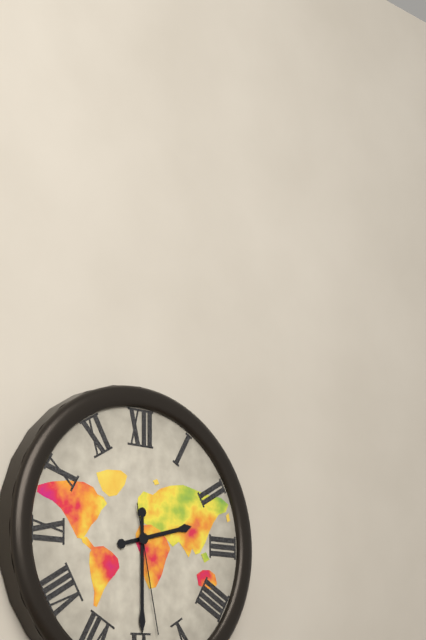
2,30,28
